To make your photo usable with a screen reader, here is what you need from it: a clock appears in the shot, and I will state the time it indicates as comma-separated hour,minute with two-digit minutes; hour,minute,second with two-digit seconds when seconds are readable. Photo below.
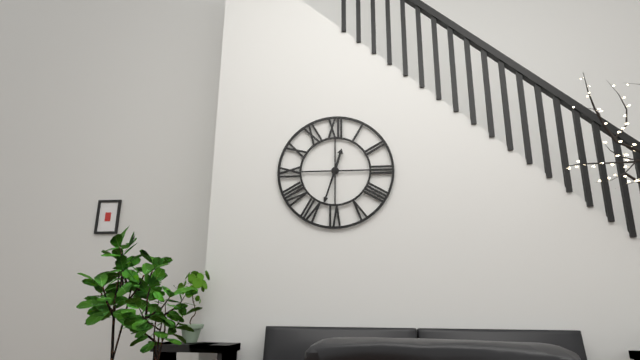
12,33
